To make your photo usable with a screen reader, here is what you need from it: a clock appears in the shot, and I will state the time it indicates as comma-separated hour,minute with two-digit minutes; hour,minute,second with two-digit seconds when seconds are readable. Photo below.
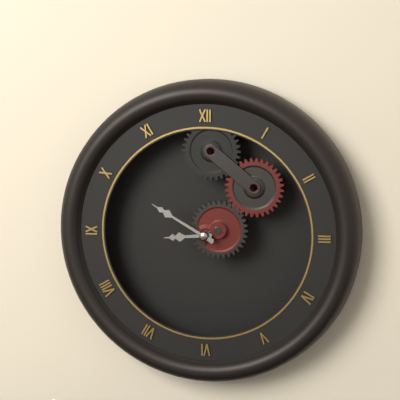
8,50
